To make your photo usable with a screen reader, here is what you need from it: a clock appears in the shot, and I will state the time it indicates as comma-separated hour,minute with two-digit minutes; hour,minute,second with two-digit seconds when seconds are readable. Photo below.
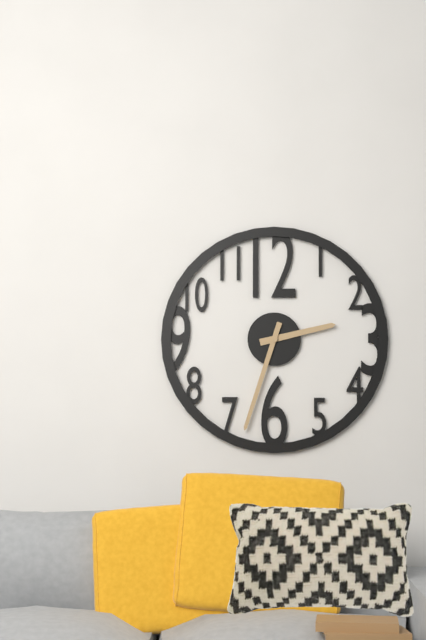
2,33
